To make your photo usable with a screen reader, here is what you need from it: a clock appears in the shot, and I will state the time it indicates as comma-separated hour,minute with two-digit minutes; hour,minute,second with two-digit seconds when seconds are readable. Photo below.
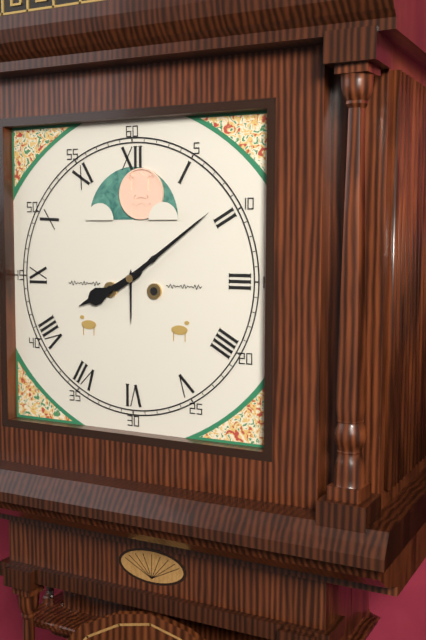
8,09
